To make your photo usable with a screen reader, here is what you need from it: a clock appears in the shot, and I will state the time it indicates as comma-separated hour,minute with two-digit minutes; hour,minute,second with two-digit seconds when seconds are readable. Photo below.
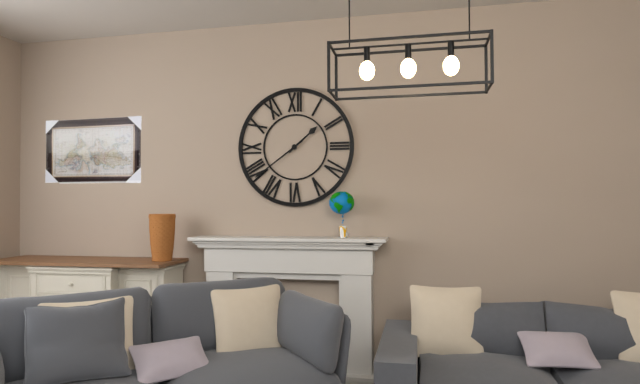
1,39
